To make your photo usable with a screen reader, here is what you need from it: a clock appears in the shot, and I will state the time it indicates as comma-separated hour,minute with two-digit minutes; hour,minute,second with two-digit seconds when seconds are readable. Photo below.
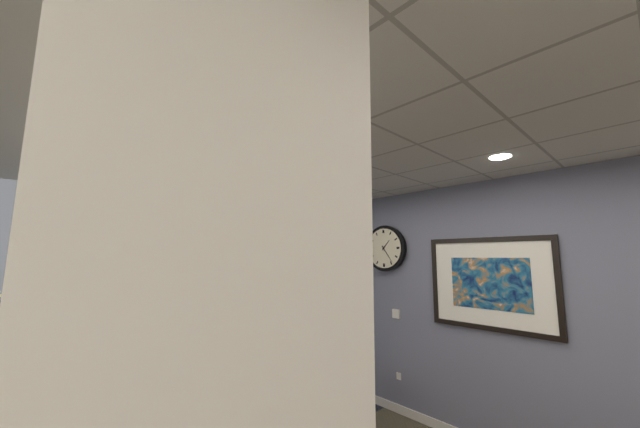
1,24
